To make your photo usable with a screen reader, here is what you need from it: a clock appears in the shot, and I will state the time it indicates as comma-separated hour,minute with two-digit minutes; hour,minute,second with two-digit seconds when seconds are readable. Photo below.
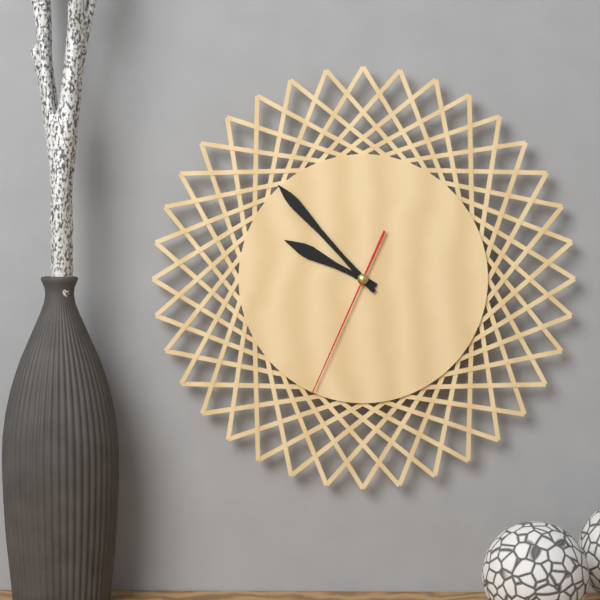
9,53,34
